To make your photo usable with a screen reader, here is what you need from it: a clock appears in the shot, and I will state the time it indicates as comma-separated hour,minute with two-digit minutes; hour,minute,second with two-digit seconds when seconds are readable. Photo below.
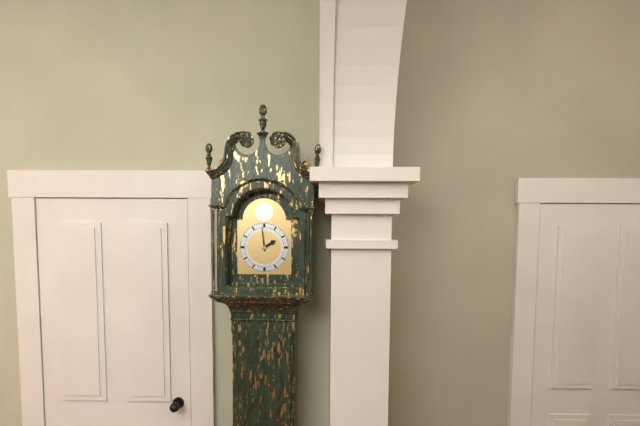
1,59
